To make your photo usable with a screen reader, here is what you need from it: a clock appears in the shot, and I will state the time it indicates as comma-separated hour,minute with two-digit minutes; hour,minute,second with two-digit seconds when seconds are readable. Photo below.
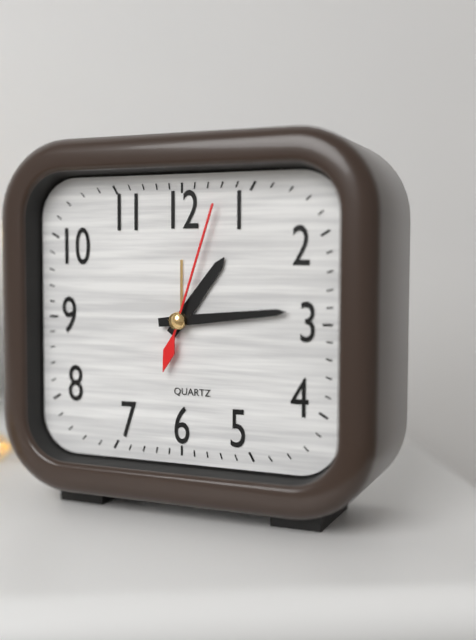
1,14,03
